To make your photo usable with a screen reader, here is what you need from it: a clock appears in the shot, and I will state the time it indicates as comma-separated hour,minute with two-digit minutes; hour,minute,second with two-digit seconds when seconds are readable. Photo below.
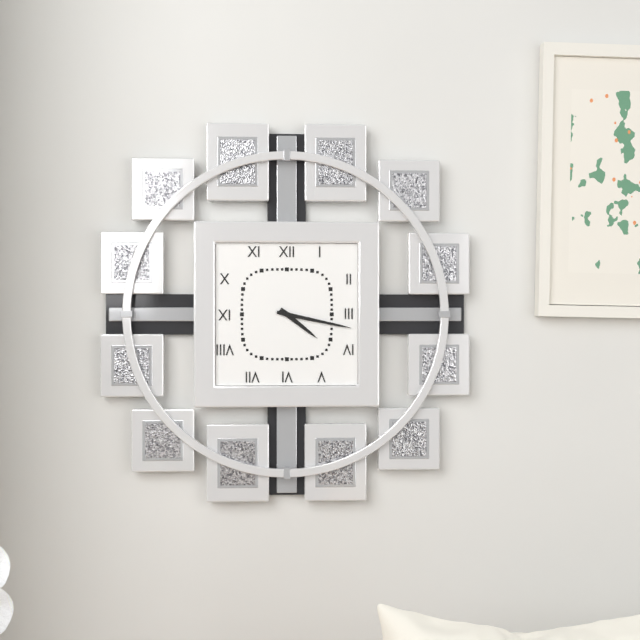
4,17
